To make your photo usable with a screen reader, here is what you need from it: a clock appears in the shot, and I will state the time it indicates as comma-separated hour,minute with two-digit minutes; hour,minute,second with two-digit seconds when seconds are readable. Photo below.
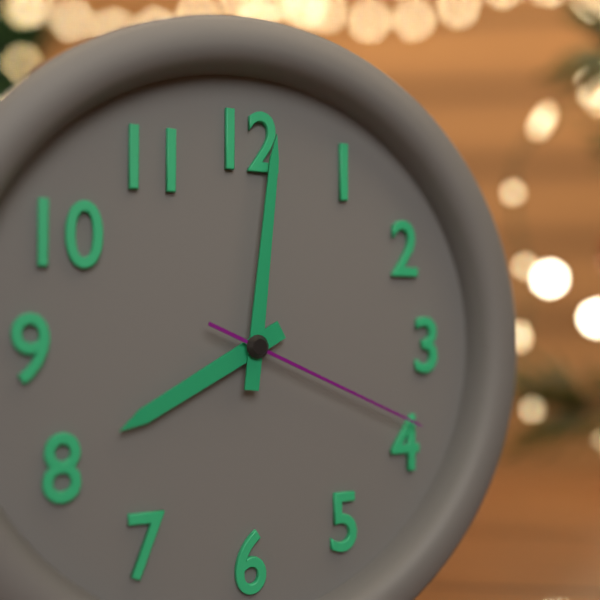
8,01,19
